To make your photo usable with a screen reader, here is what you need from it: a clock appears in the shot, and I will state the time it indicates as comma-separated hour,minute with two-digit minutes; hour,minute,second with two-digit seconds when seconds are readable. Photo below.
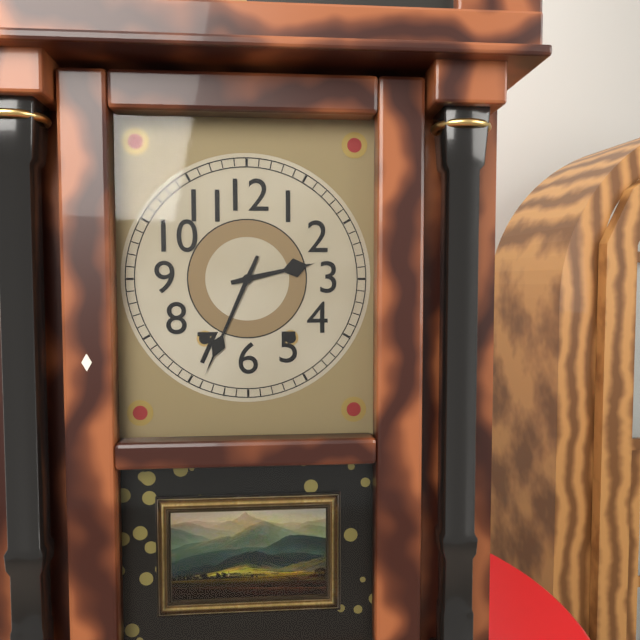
2,34
